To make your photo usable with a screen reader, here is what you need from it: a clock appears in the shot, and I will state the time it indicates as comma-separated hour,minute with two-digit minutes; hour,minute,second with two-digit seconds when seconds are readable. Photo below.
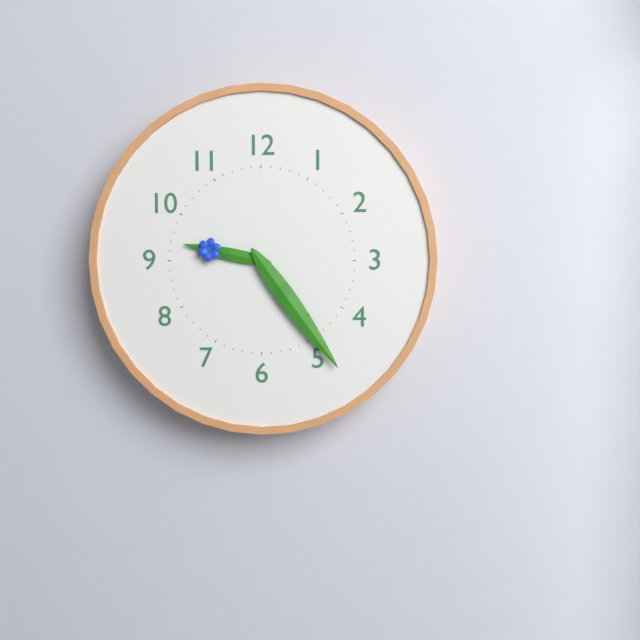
9,24
